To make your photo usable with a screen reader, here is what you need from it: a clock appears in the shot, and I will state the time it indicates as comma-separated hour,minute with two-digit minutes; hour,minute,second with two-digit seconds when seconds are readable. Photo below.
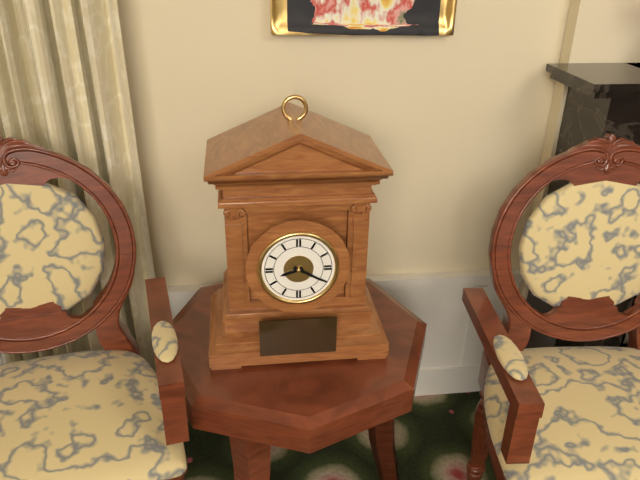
8,20
